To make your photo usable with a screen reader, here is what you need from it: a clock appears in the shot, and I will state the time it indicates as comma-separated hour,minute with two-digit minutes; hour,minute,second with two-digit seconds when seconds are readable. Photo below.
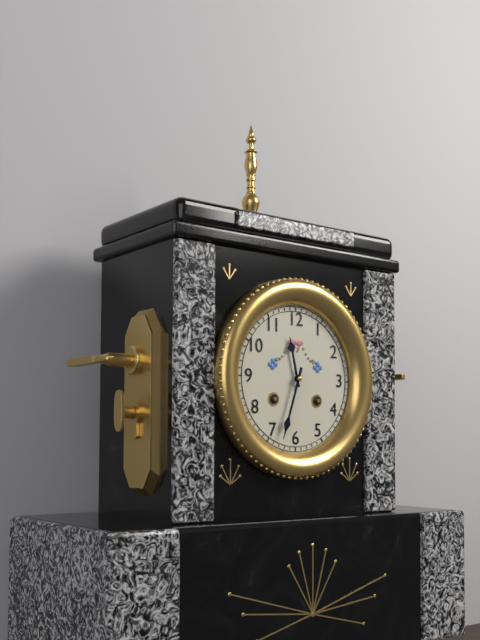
11,33
